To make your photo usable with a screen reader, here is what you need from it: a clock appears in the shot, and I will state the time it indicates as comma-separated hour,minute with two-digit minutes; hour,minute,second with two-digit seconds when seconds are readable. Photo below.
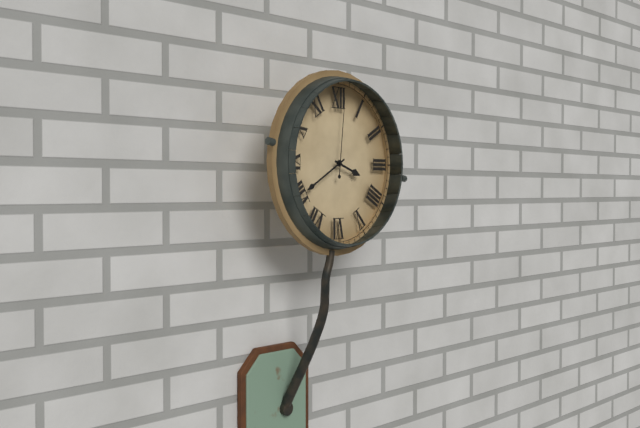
3,40,01
